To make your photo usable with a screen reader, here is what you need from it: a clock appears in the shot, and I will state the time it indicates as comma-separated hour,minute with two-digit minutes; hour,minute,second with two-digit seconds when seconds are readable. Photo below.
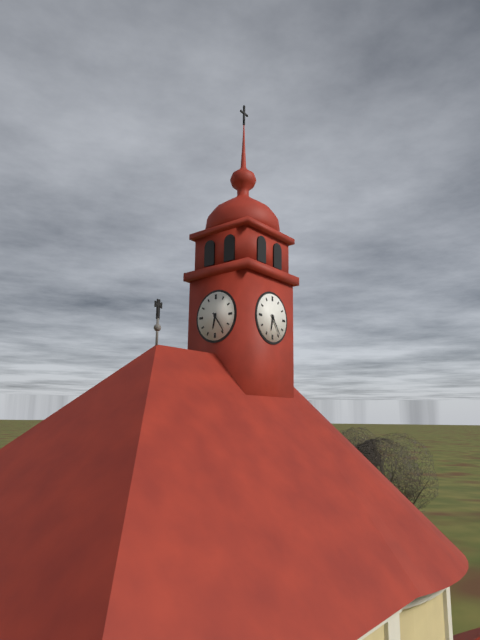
6,24
